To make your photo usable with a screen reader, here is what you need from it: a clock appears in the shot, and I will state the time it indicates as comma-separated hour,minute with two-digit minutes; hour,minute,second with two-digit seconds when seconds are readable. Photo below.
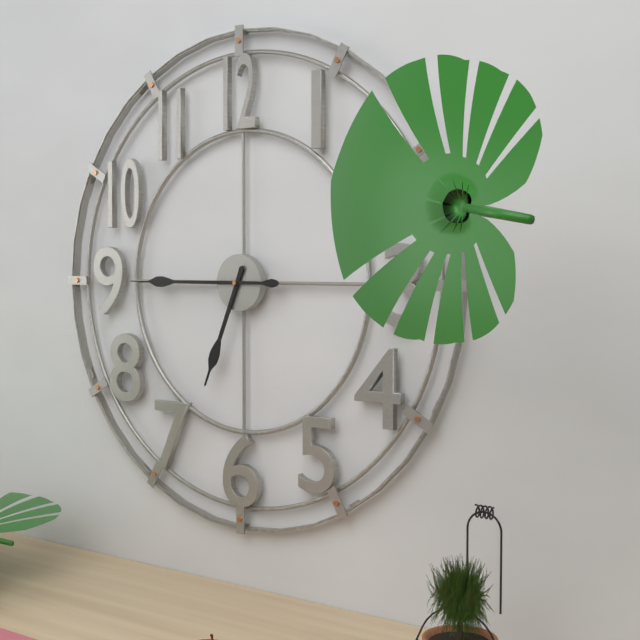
6,45
